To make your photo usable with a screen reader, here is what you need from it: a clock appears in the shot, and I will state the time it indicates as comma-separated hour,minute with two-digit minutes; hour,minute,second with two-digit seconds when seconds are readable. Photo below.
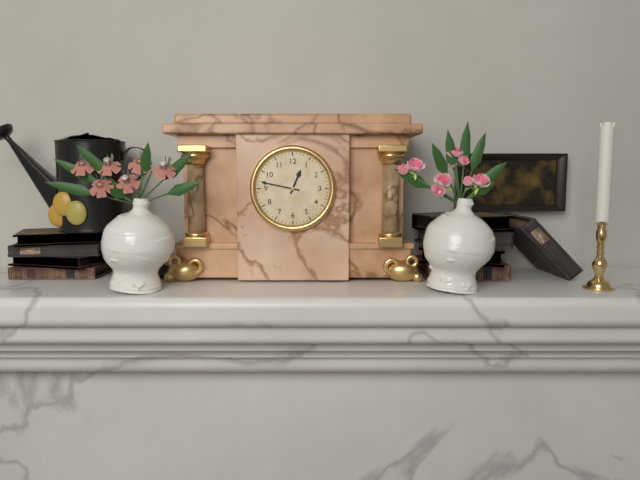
12,47
